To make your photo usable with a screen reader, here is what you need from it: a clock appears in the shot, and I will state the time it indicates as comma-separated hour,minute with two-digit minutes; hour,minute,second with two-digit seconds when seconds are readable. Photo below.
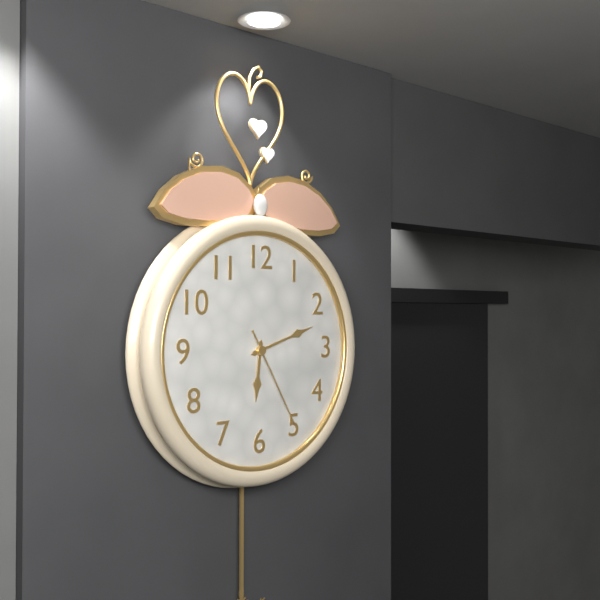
6,12,25
